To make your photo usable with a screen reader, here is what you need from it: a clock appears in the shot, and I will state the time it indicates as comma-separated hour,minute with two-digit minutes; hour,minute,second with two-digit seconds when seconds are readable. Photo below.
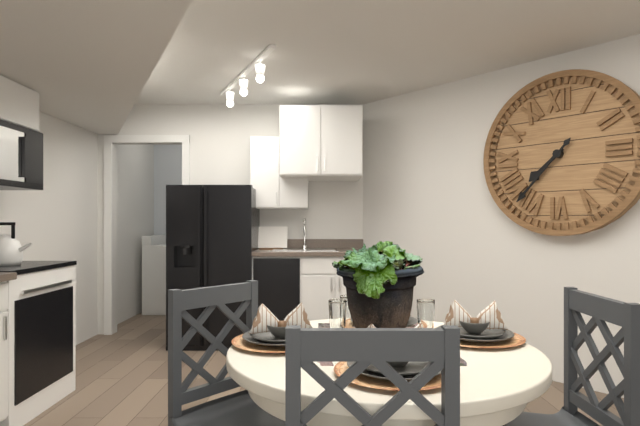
7,37
